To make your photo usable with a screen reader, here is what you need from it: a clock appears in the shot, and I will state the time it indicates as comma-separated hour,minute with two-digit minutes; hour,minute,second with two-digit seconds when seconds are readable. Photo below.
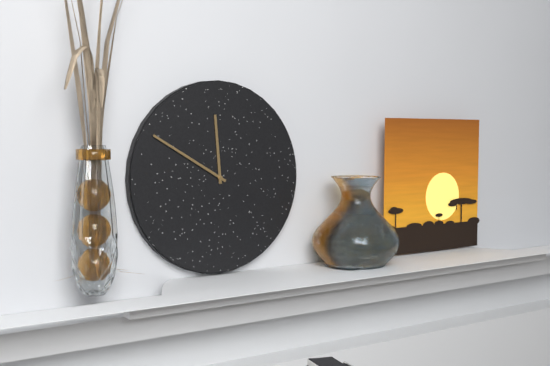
11,50
